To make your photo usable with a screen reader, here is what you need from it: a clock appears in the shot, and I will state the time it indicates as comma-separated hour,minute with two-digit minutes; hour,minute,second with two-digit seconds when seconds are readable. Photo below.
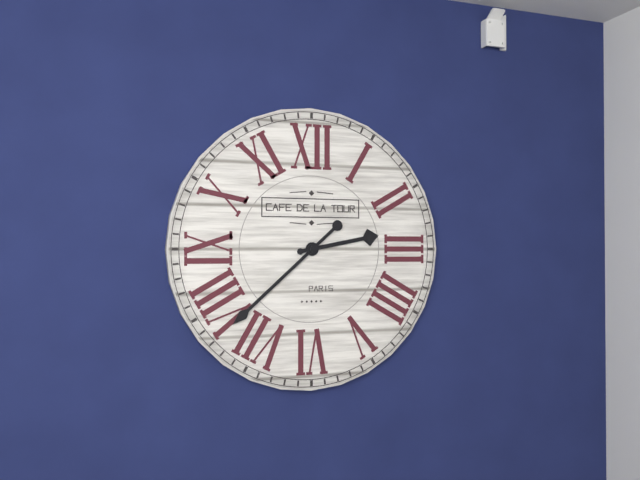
2,38
